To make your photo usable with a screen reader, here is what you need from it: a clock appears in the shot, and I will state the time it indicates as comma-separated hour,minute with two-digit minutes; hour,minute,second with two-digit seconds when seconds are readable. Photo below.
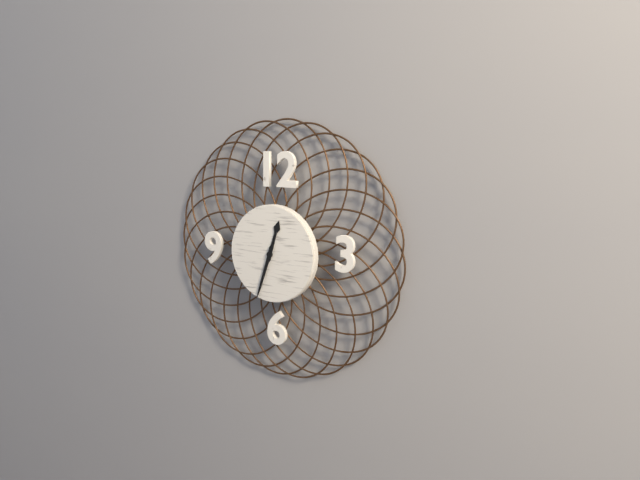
12,33
